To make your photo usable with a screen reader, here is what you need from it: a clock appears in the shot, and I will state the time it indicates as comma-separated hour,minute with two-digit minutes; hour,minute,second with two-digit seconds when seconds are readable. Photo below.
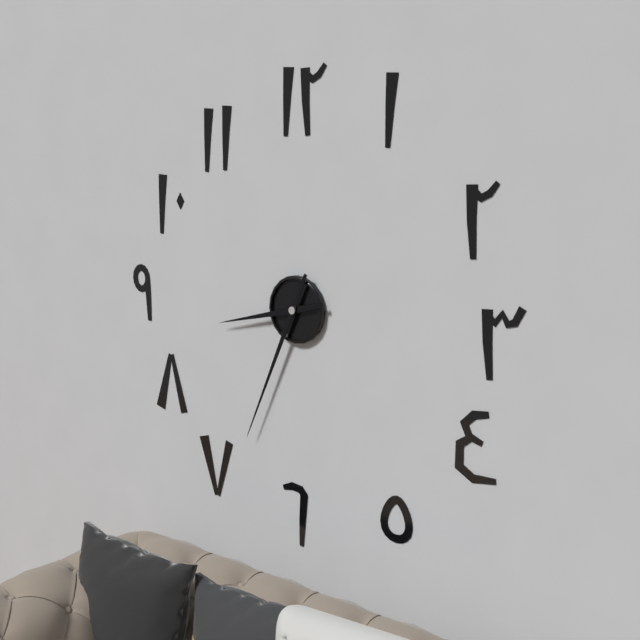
8,34
